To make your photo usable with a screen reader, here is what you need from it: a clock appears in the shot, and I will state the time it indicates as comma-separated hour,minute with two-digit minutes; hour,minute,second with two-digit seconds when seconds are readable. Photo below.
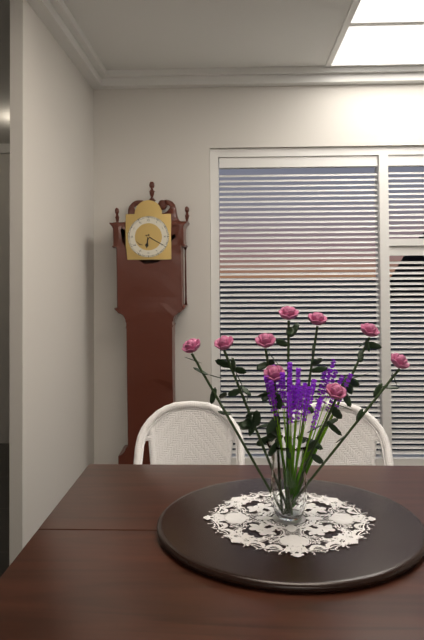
6,20
